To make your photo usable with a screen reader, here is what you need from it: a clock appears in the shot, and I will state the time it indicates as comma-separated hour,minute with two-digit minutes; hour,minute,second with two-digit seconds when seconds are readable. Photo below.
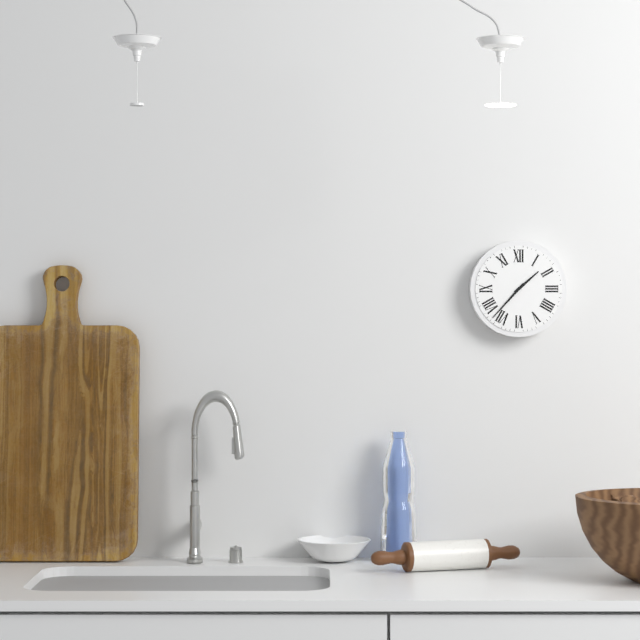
1,37
